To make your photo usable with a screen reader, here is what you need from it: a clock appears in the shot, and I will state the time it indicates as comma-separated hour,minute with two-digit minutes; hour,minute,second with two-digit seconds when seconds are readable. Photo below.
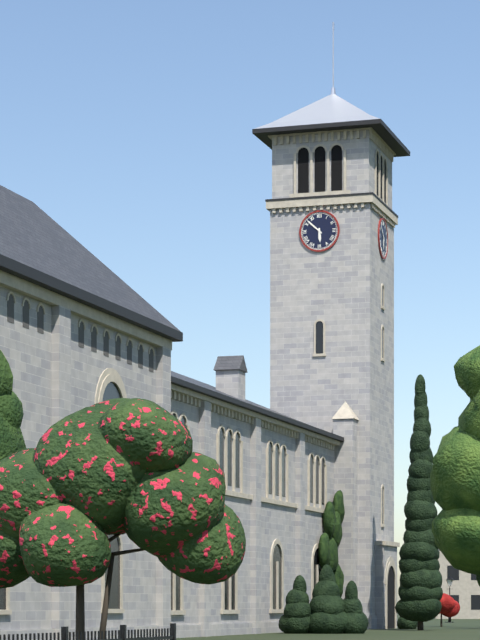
5,52
